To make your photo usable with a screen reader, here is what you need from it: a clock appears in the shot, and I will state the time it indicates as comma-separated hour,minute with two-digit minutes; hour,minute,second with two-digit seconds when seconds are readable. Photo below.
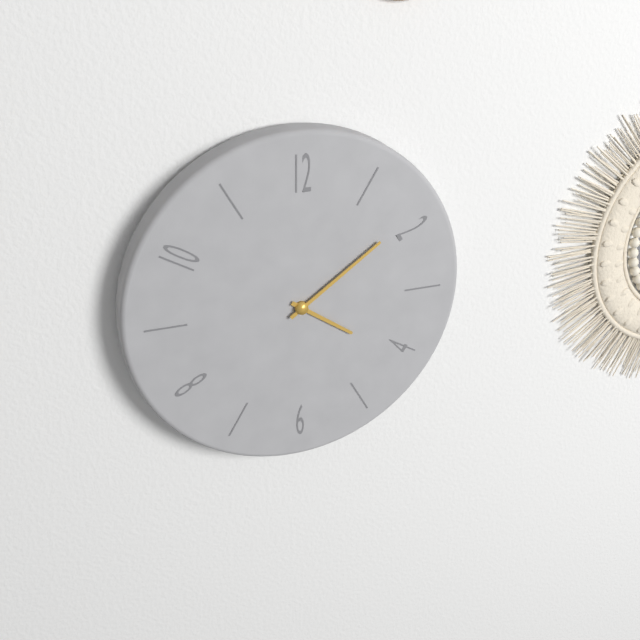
4,09
